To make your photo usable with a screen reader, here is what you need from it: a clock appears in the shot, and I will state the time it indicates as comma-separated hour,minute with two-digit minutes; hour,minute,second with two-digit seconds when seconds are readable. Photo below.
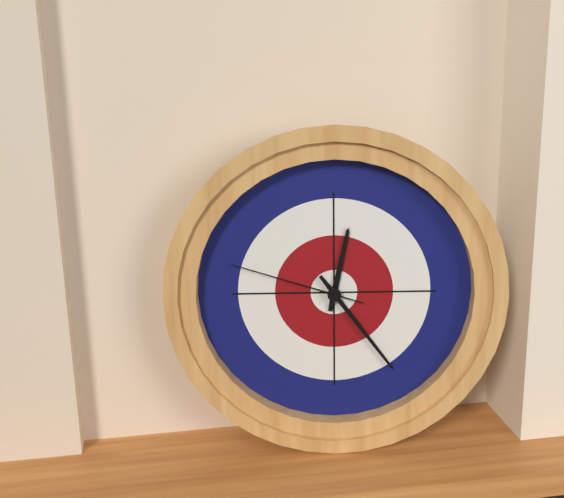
12,24,48
